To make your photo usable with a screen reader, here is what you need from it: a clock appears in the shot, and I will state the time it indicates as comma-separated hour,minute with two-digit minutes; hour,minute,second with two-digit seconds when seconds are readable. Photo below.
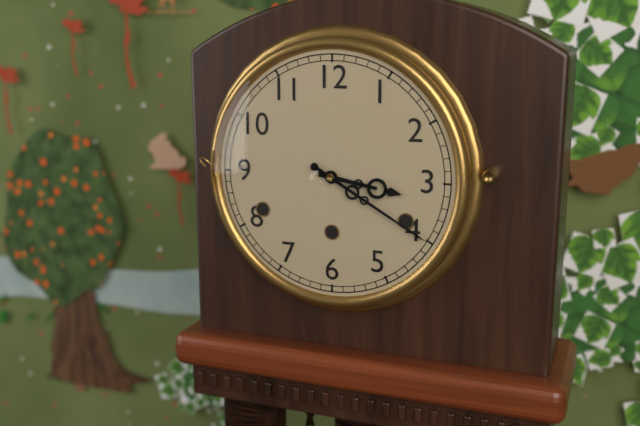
3,20
